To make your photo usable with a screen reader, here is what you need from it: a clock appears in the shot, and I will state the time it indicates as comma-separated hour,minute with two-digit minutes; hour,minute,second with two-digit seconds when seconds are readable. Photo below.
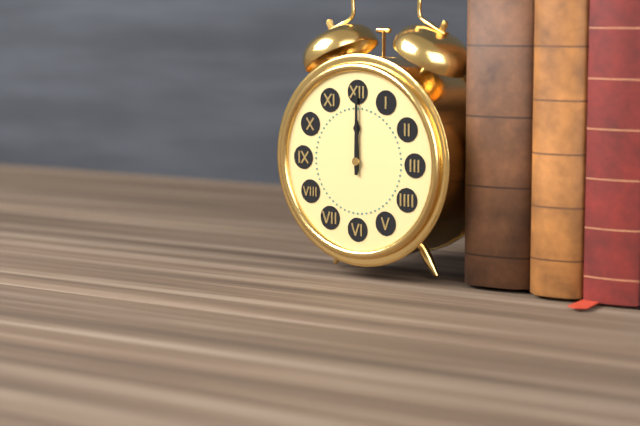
12,00
